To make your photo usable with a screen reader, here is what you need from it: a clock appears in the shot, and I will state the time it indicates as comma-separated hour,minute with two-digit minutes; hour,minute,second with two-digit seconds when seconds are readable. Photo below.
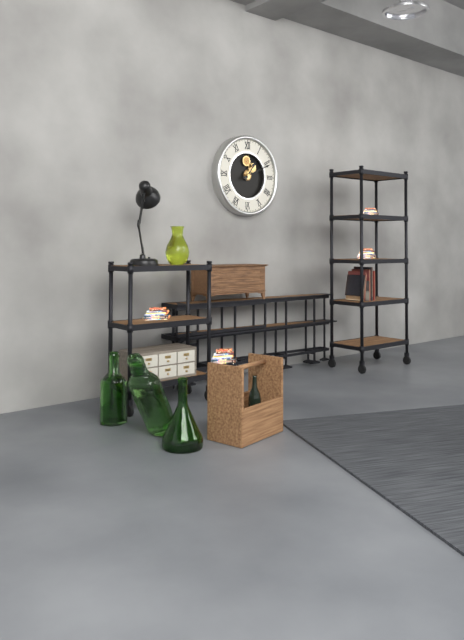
1,11
